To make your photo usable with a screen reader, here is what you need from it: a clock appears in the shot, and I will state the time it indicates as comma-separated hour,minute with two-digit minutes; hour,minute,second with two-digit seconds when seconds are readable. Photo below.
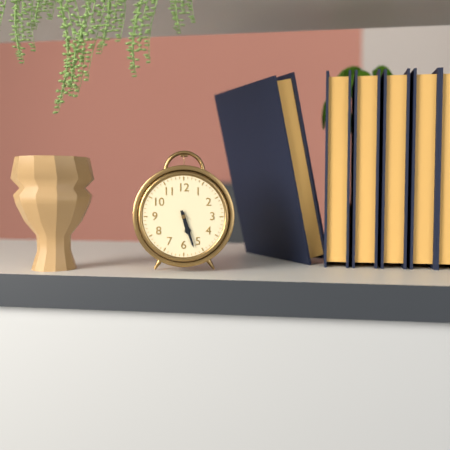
5,27
